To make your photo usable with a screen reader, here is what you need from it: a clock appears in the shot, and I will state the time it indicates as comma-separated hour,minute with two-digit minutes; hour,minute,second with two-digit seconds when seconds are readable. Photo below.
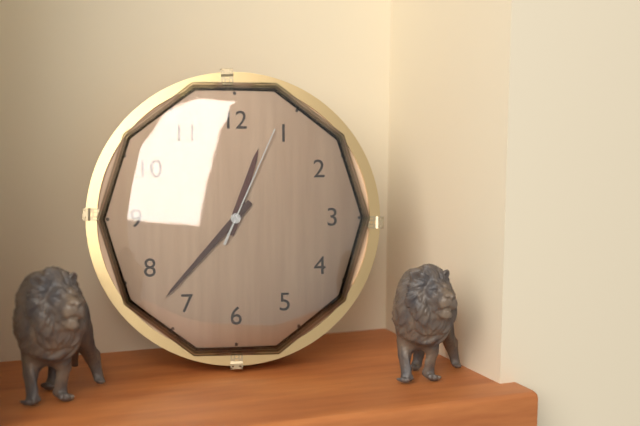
12,37,04
